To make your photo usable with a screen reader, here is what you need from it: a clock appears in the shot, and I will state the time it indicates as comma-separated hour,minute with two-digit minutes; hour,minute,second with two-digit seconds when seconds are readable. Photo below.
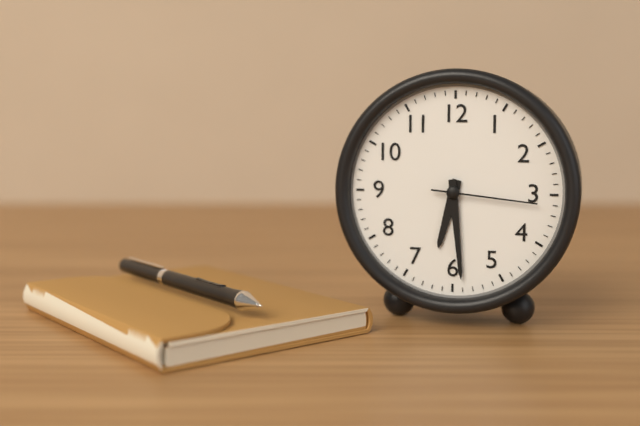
6,29,16
